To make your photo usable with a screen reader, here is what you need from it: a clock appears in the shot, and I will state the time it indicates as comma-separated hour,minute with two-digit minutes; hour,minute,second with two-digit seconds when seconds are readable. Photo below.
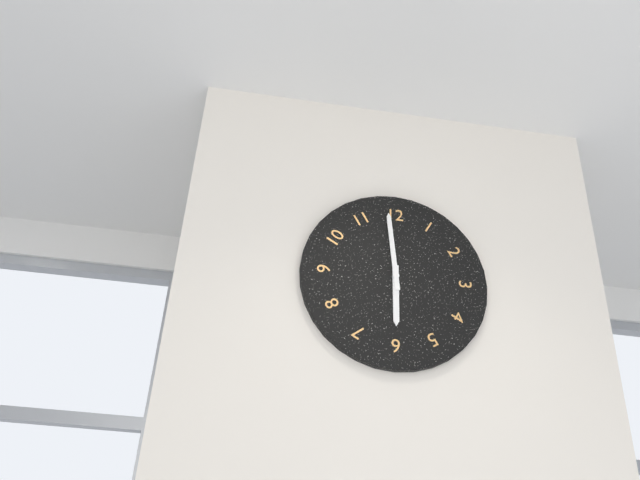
5,59
